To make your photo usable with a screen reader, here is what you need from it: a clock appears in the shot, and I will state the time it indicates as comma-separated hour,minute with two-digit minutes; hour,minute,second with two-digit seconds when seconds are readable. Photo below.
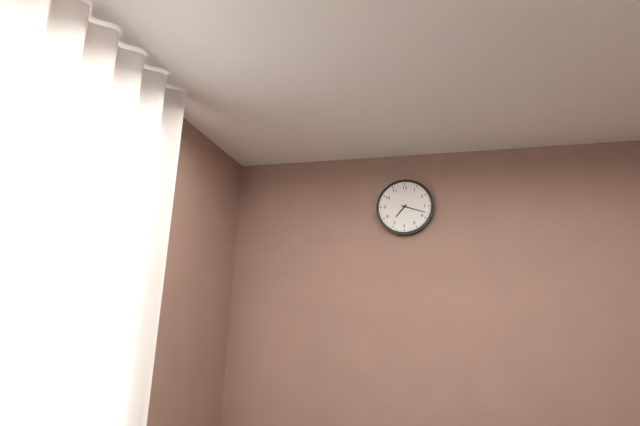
7,18
